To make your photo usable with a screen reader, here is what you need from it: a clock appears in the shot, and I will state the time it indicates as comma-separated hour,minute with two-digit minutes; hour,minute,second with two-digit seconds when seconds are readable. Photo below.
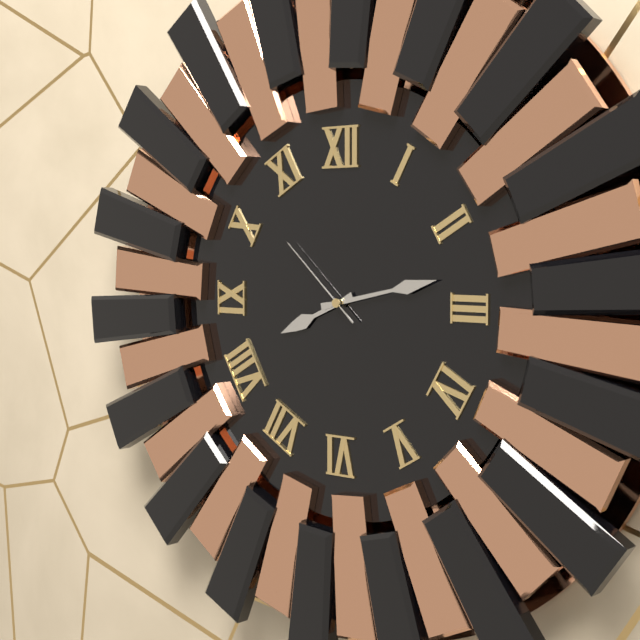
8,13,52
